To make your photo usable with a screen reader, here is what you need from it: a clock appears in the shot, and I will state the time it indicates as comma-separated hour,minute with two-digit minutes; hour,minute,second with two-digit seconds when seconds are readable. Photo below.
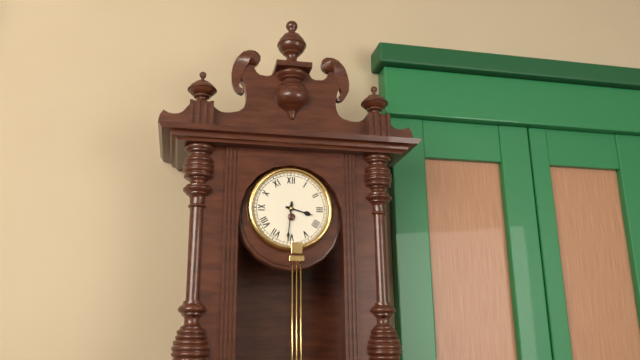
3,31
